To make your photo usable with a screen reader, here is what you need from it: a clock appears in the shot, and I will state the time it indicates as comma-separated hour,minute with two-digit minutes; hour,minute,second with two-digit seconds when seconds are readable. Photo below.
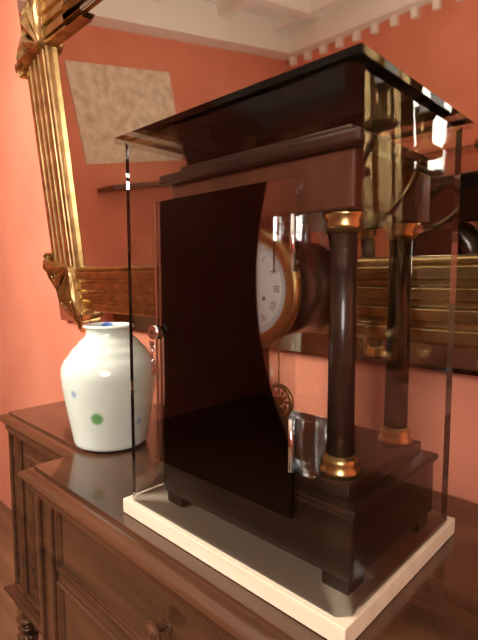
10,53
